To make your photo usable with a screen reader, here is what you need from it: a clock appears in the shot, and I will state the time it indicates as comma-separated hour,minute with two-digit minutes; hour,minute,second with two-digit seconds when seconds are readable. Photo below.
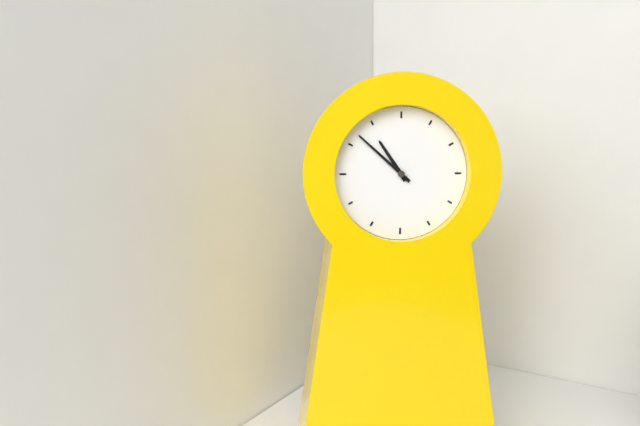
10,52
